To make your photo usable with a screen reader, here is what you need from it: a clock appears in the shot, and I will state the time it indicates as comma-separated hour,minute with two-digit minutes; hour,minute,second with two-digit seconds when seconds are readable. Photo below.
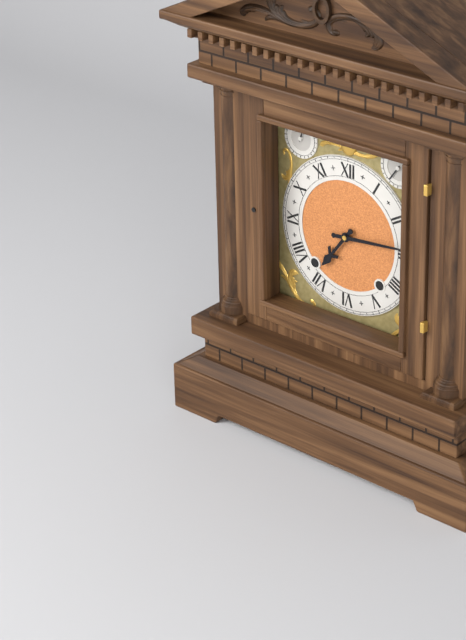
7,14
